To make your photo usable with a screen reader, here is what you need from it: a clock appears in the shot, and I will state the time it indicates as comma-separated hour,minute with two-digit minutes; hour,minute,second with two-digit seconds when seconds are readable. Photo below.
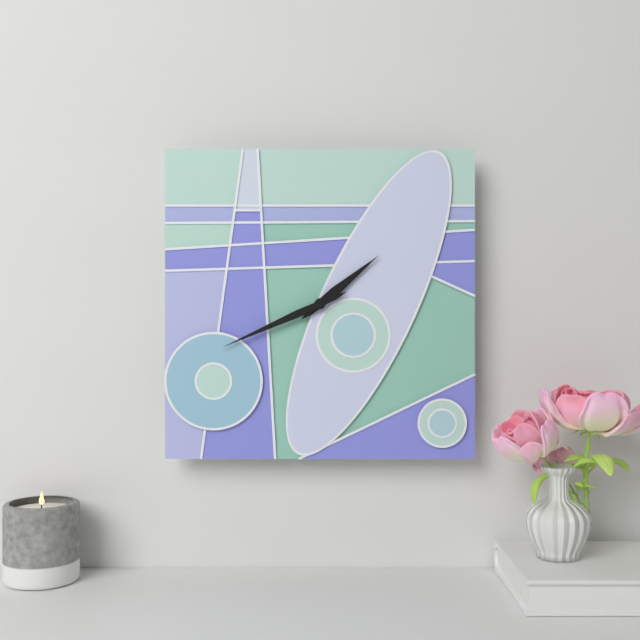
1,41
